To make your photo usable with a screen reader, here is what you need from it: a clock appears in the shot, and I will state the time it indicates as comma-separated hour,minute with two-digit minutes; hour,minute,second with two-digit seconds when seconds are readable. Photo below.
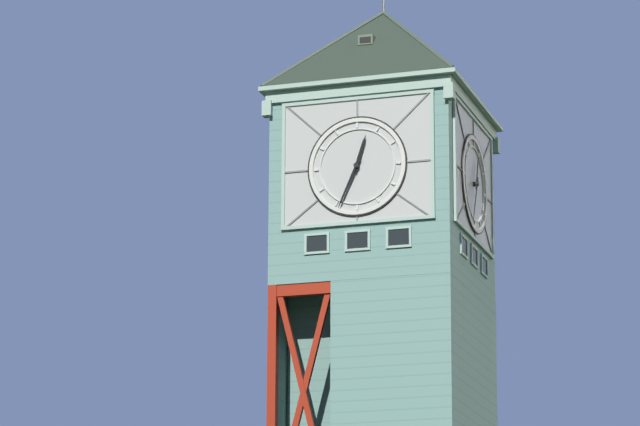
12,34
